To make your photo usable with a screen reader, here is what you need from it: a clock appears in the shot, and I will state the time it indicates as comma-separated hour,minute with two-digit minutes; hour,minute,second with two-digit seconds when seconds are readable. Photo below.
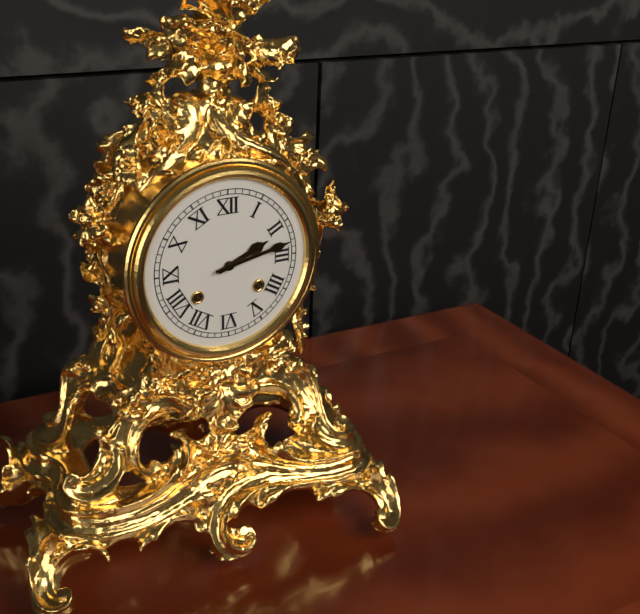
2,13
